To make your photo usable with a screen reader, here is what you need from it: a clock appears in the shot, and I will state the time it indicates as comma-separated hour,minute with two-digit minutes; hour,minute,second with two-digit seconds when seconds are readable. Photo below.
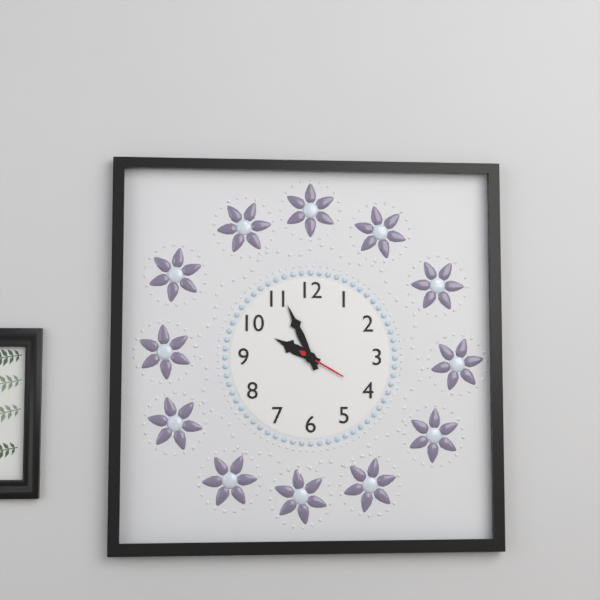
9,56
